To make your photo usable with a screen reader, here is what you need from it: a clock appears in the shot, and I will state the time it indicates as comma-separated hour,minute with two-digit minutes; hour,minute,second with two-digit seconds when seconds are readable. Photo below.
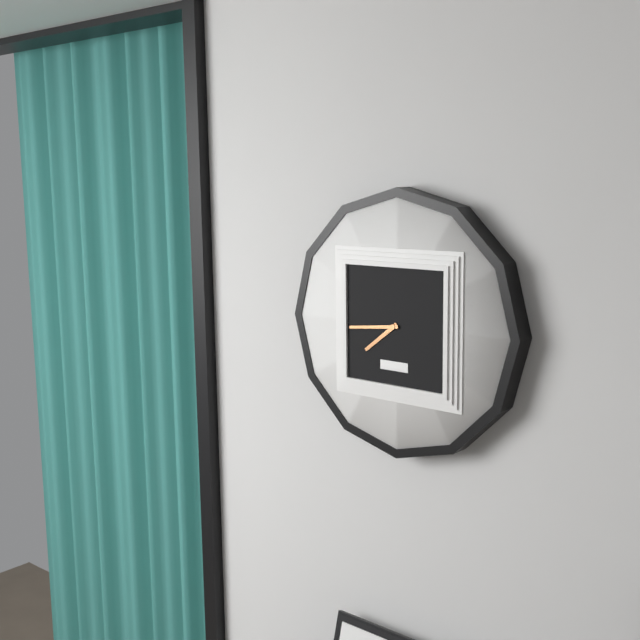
7,44
